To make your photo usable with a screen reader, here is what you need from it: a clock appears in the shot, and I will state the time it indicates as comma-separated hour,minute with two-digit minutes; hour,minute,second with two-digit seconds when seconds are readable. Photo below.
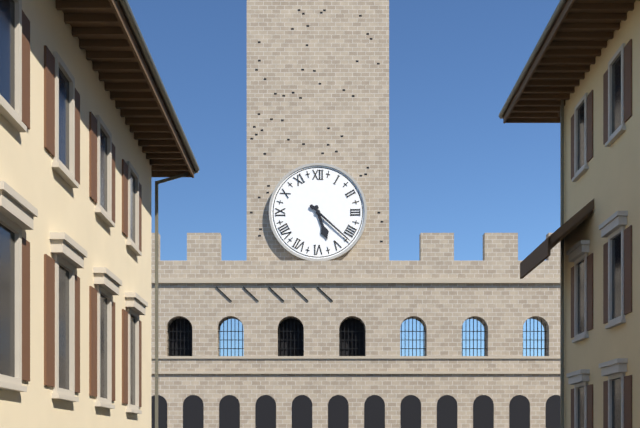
5,22
